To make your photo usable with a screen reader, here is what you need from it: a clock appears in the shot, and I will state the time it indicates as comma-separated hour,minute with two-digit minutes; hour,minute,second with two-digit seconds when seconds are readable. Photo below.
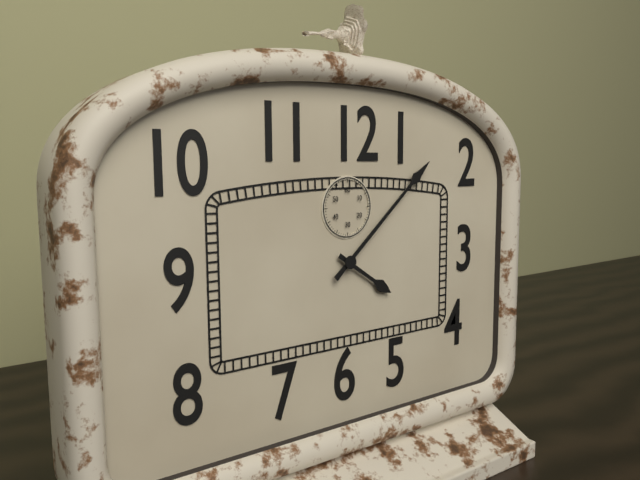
4,08
